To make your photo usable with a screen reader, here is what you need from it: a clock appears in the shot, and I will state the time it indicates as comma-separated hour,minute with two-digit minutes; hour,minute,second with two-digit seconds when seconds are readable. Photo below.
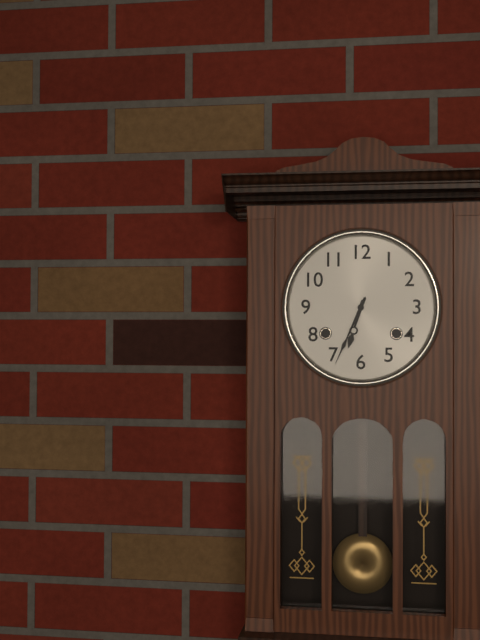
6,34
